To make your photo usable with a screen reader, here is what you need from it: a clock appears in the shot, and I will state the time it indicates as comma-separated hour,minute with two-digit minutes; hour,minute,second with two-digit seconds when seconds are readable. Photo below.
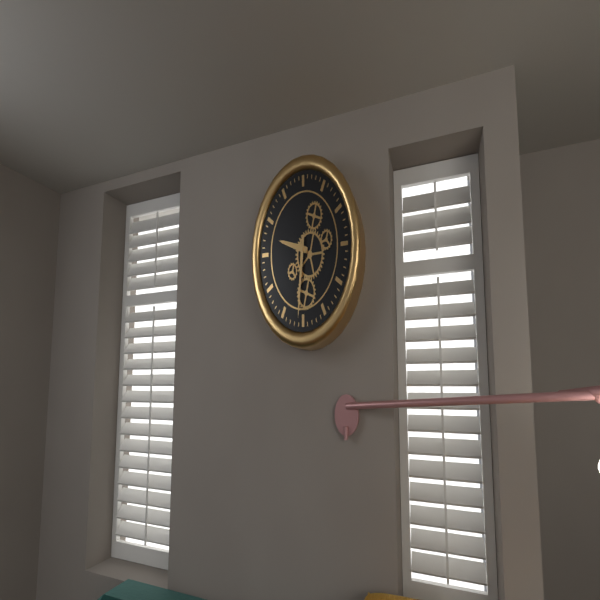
9,31
